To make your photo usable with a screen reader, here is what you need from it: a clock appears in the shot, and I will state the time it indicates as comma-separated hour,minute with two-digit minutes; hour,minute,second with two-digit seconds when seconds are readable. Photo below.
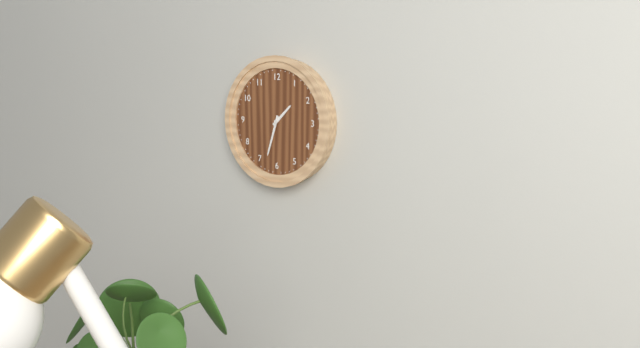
1,33
